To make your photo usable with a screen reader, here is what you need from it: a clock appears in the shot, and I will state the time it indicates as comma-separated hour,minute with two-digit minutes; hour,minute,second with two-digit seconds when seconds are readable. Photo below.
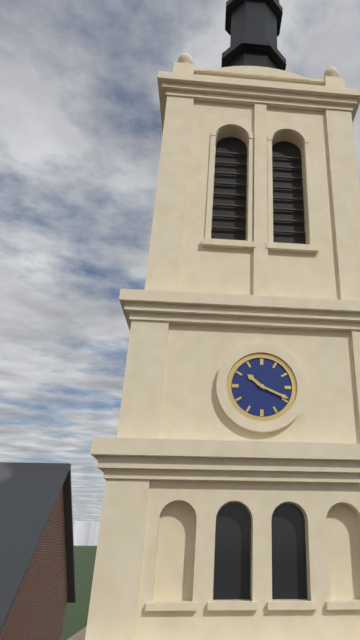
10,19
